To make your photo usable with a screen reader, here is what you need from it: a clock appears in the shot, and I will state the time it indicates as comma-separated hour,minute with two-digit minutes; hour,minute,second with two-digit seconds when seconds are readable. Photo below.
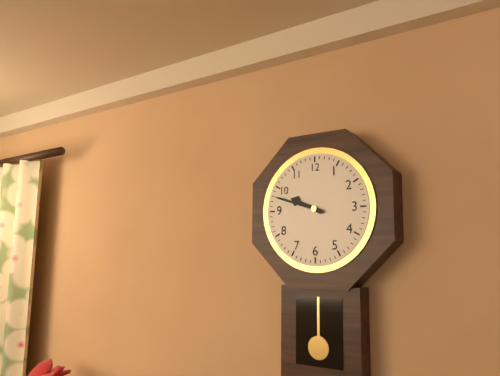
9,48
